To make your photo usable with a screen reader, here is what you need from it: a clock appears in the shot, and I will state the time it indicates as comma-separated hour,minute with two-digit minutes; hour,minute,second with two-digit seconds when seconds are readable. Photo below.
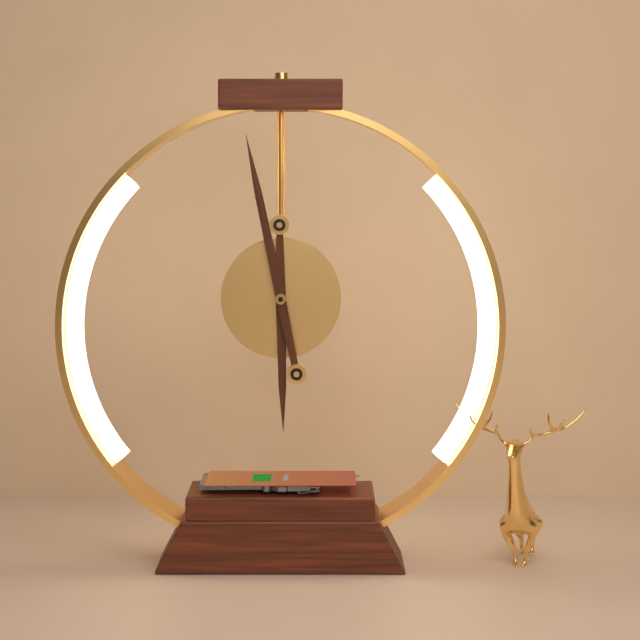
5,58
